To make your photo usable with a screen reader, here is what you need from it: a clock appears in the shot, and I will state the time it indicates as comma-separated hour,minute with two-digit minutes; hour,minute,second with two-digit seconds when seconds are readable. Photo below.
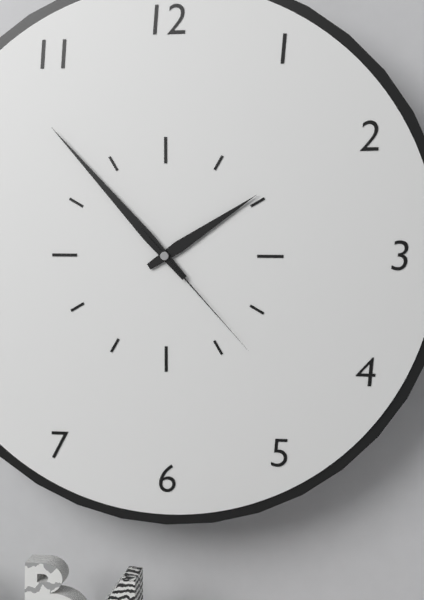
1,53,23
